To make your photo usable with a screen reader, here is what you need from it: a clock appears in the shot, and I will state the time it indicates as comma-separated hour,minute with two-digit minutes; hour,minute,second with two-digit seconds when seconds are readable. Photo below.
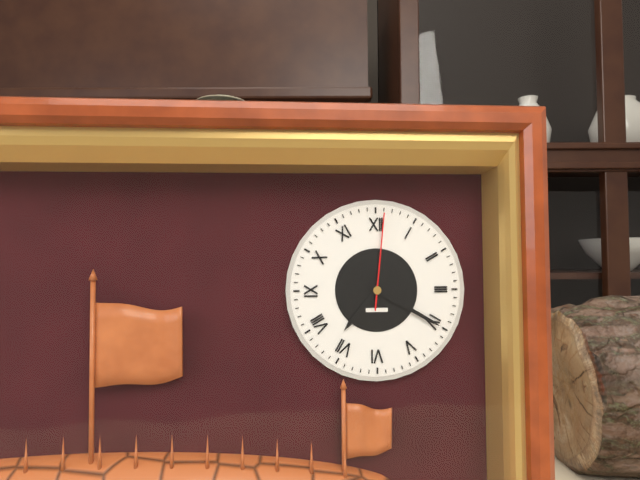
7,20,01
